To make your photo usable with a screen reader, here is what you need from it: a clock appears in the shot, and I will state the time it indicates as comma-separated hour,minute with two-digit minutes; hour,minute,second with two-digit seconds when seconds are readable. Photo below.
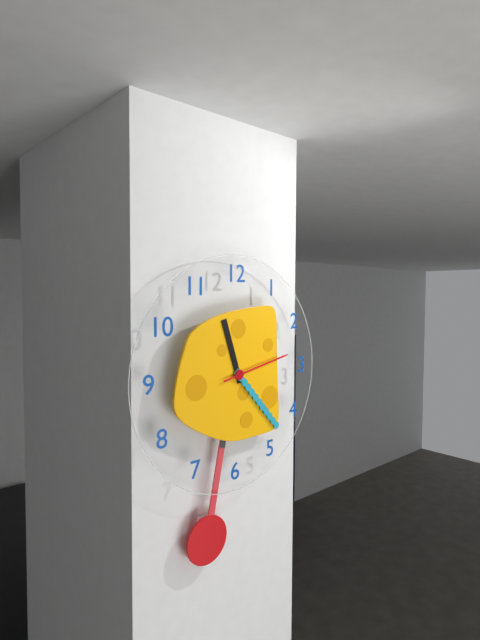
11,23,13
